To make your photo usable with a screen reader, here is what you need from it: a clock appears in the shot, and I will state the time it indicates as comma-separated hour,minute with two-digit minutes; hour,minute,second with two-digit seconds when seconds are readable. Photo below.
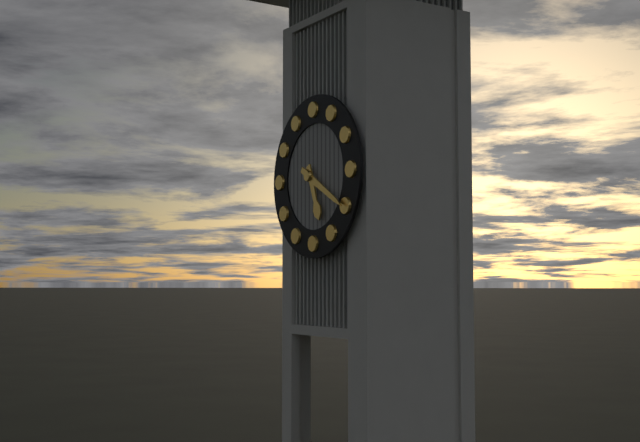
5,20
